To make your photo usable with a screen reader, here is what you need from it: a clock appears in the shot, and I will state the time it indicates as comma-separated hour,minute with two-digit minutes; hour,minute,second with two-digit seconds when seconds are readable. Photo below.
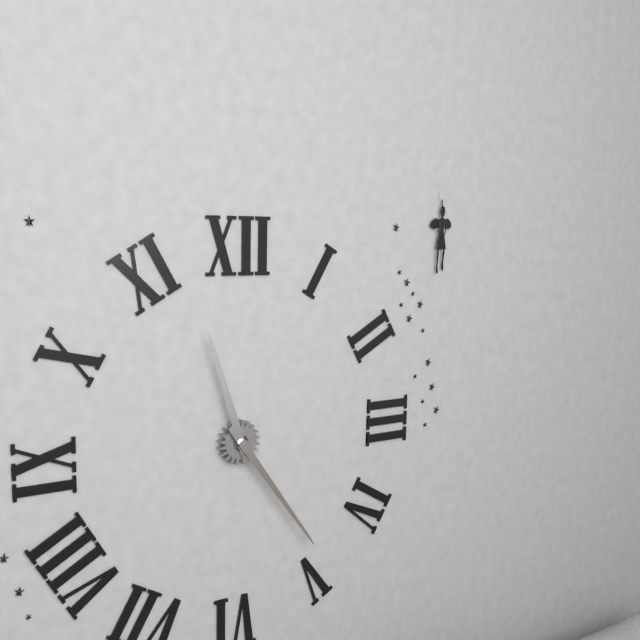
11,24
